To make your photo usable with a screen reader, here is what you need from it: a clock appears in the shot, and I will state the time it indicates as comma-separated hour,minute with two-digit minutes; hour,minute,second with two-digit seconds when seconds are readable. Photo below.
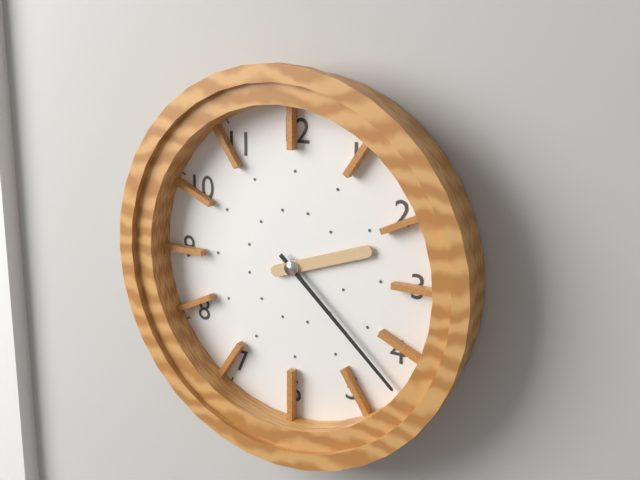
2,22
